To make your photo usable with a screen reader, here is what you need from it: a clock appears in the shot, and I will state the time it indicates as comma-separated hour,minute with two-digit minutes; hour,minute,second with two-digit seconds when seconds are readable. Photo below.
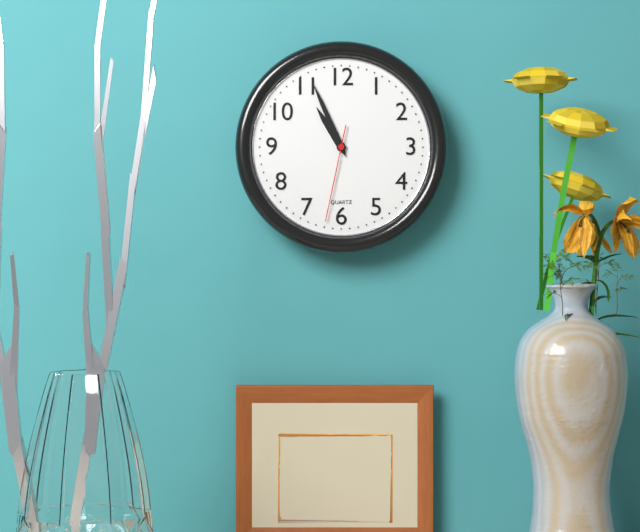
10,56,32
